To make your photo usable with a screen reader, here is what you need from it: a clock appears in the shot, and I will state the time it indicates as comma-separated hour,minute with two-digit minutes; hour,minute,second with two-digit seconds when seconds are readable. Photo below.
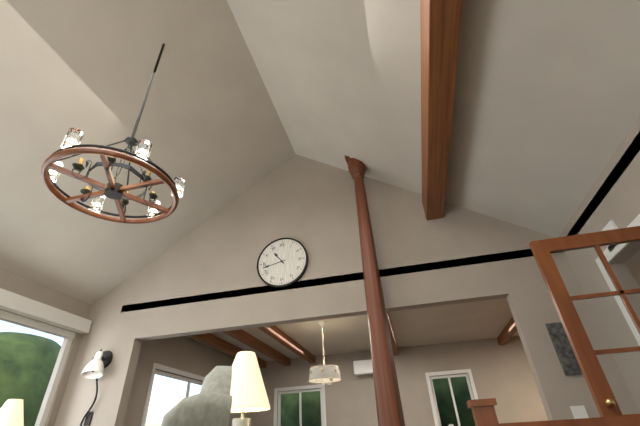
10,43
